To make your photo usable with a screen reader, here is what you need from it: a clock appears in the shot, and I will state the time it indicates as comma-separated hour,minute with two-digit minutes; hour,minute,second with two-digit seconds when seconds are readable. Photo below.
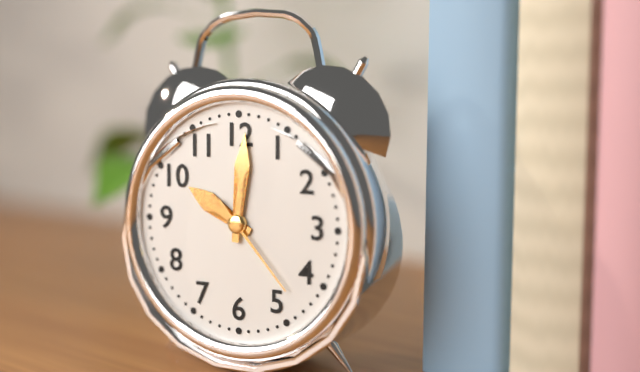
10,01,23
